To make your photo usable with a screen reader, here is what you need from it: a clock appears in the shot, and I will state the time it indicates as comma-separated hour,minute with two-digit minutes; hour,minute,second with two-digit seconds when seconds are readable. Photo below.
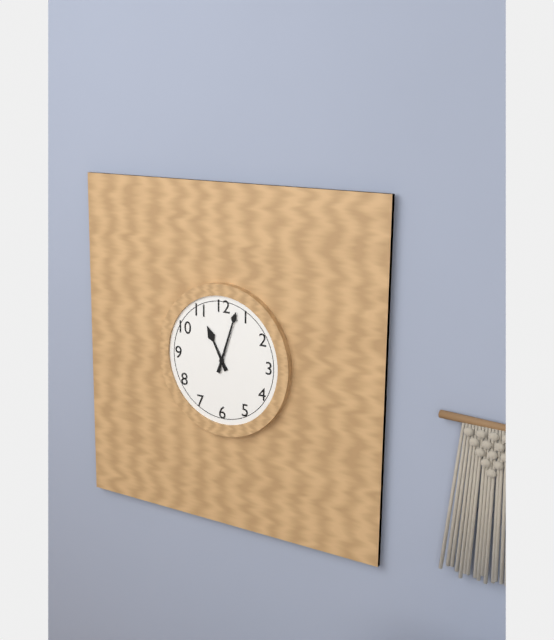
11,03
